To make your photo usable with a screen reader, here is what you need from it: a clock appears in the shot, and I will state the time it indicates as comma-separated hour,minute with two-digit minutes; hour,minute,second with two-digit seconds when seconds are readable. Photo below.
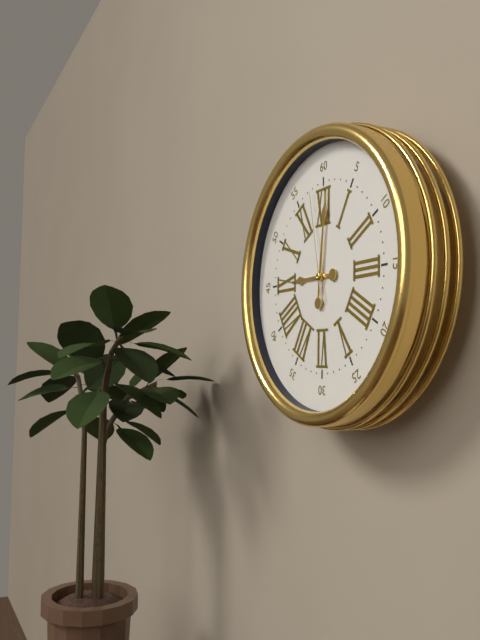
9,01,58
